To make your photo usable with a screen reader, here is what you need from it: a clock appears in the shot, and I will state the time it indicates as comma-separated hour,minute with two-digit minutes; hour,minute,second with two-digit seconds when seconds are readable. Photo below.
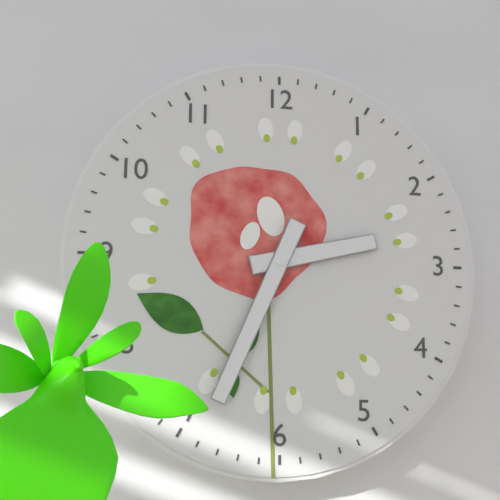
2,34
